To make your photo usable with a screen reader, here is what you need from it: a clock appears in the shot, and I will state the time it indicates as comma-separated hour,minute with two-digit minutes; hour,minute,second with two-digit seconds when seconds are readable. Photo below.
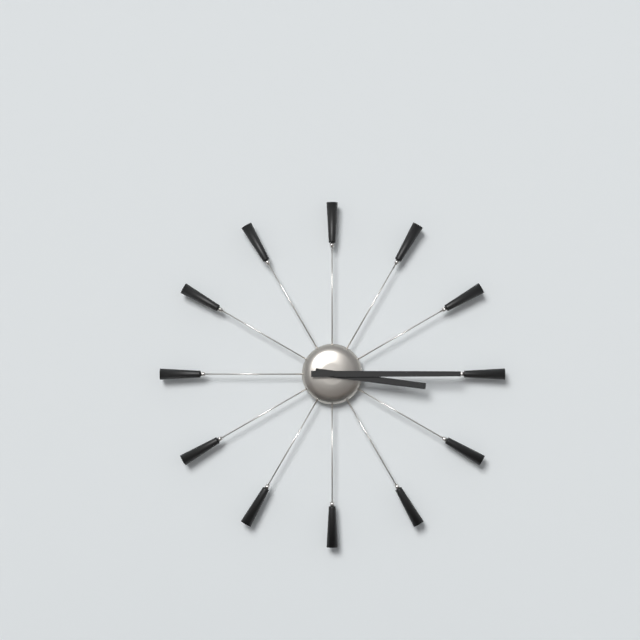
3,15
